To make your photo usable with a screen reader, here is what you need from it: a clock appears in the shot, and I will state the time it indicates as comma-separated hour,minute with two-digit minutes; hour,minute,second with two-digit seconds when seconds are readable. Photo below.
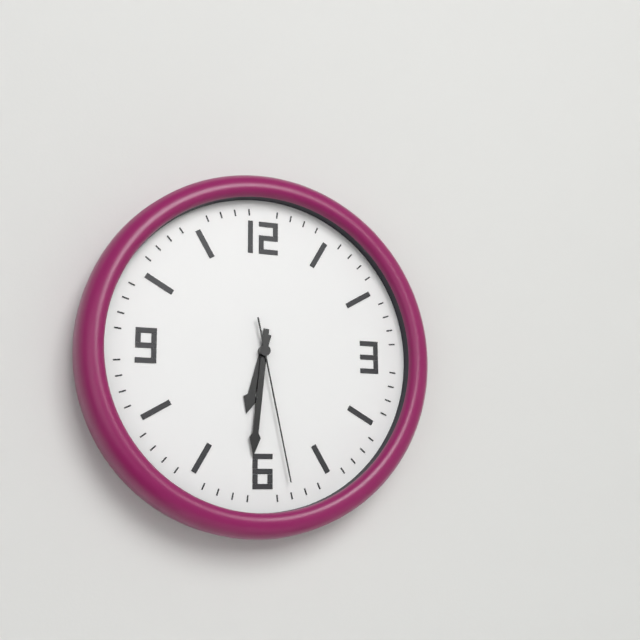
6,31,28
